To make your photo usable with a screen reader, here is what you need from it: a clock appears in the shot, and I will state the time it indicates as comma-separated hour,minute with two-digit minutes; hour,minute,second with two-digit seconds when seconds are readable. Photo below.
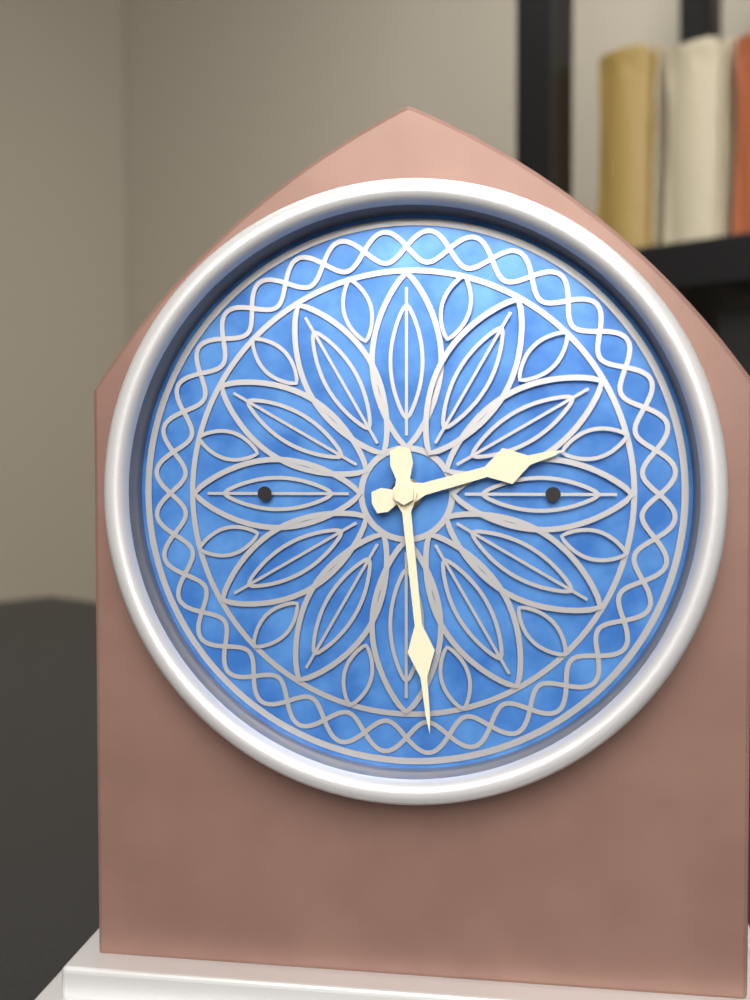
2,29
